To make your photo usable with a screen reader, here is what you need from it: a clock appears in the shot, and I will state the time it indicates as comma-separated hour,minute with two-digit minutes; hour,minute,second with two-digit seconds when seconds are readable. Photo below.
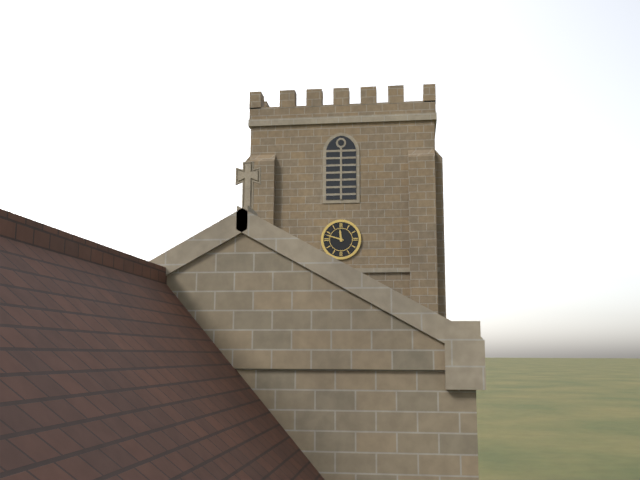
11,48
